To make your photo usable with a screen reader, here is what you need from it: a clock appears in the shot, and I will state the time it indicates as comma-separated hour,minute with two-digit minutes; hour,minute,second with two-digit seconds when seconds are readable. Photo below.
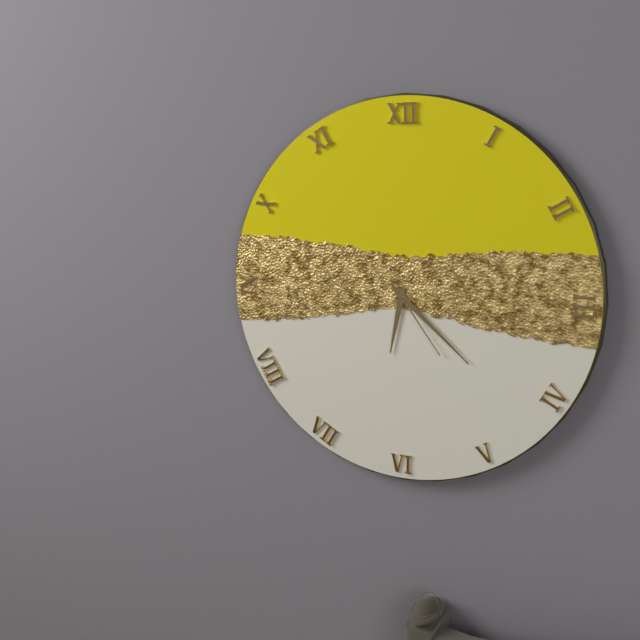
6,22,24
